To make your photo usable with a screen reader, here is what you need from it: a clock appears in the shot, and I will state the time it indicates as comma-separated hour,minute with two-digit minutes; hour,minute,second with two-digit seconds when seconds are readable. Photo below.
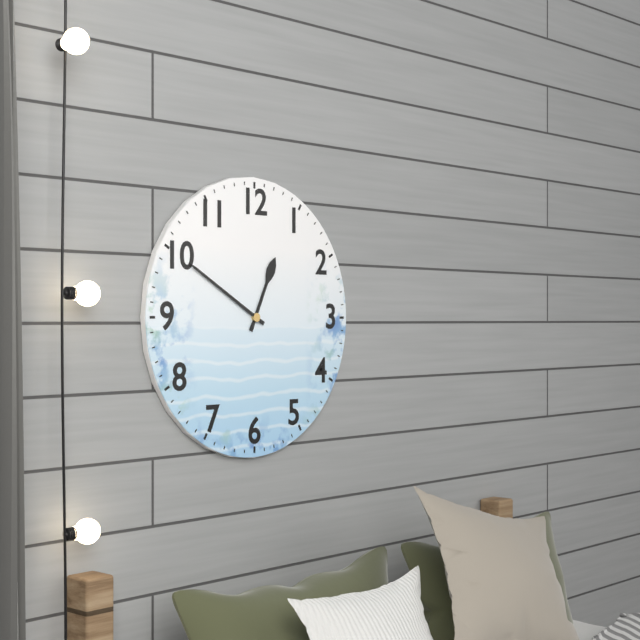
12,50
